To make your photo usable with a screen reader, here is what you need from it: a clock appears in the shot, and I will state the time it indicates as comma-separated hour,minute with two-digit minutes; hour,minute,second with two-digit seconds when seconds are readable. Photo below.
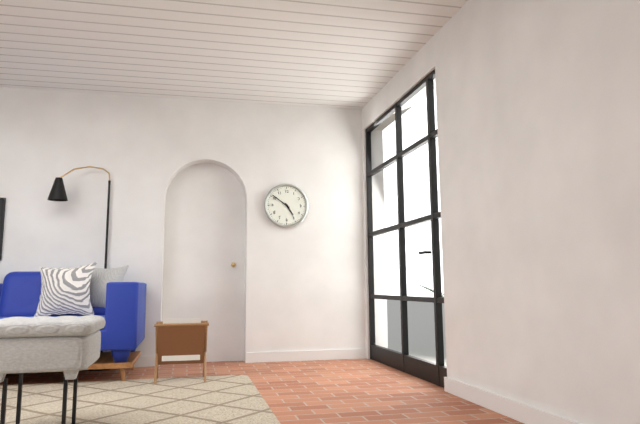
4,51
